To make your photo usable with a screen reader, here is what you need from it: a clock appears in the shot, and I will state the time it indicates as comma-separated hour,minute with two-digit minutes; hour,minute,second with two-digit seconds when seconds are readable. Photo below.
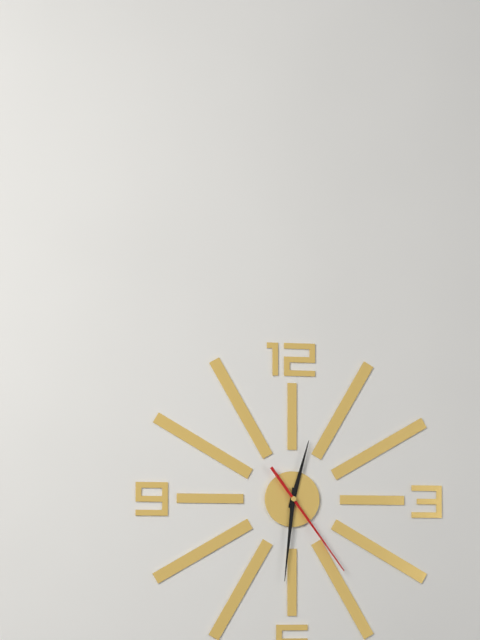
12,31,24
